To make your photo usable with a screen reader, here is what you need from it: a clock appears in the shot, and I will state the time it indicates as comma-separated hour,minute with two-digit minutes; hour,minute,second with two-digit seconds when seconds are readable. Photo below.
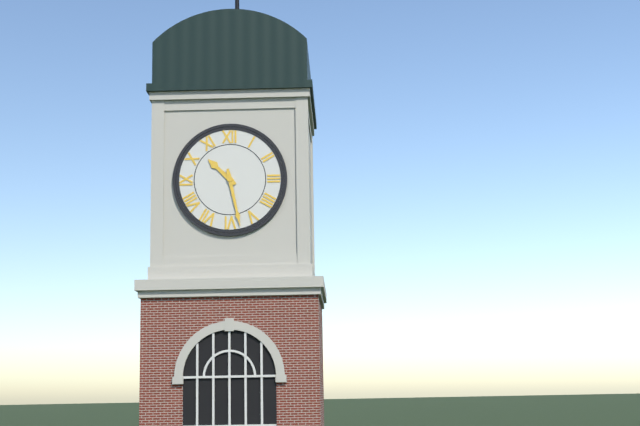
10,28
